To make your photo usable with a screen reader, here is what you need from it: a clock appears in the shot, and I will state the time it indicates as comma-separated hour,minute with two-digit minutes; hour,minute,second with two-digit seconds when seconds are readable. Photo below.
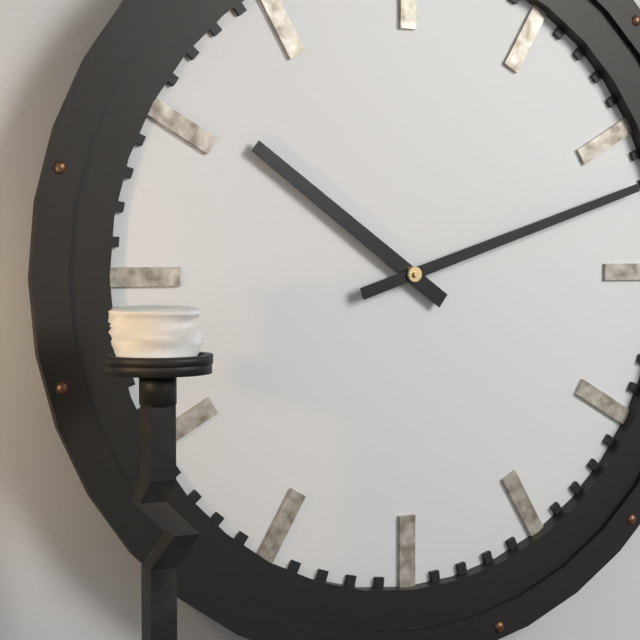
10,12
